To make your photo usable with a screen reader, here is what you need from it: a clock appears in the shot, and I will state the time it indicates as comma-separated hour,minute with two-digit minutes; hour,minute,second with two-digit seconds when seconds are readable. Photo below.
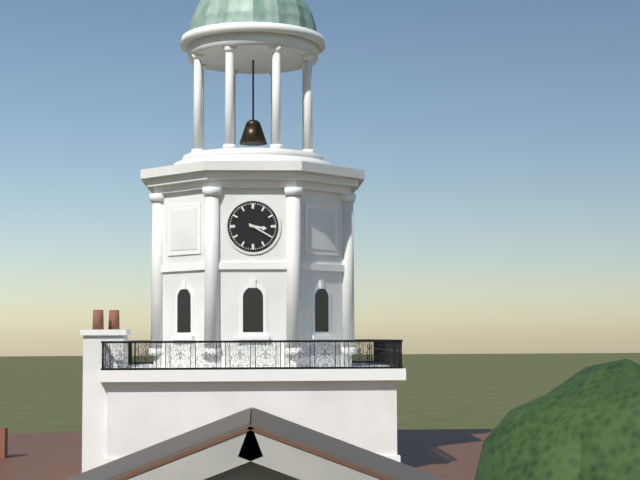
3,20
